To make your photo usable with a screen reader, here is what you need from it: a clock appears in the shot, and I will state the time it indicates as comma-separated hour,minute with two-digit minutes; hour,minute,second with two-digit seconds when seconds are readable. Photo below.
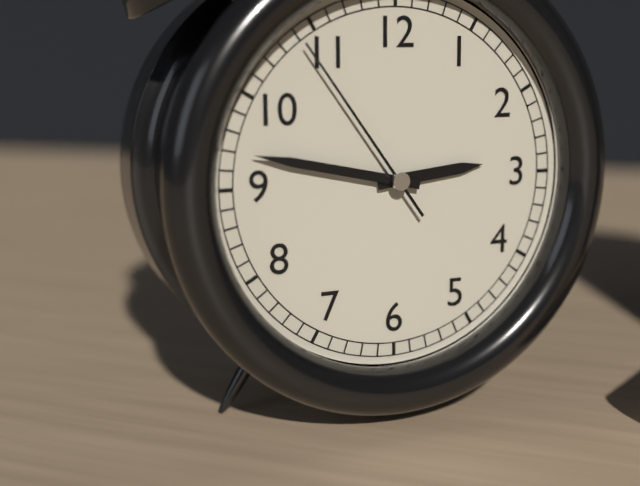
2,47,54
